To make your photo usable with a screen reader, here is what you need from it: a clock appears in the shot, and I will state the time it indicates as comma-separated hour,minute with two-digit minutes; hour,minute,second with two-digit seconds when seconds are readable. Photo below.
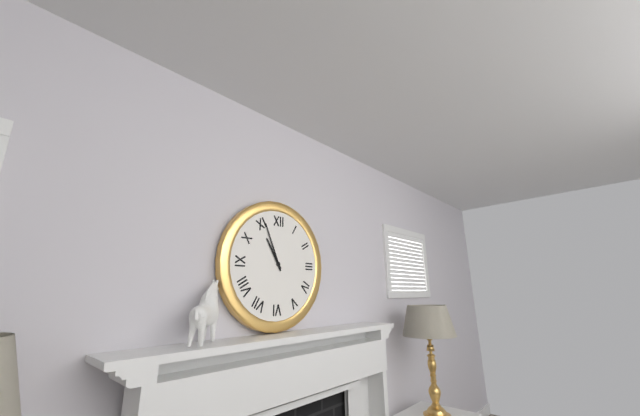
10,56
